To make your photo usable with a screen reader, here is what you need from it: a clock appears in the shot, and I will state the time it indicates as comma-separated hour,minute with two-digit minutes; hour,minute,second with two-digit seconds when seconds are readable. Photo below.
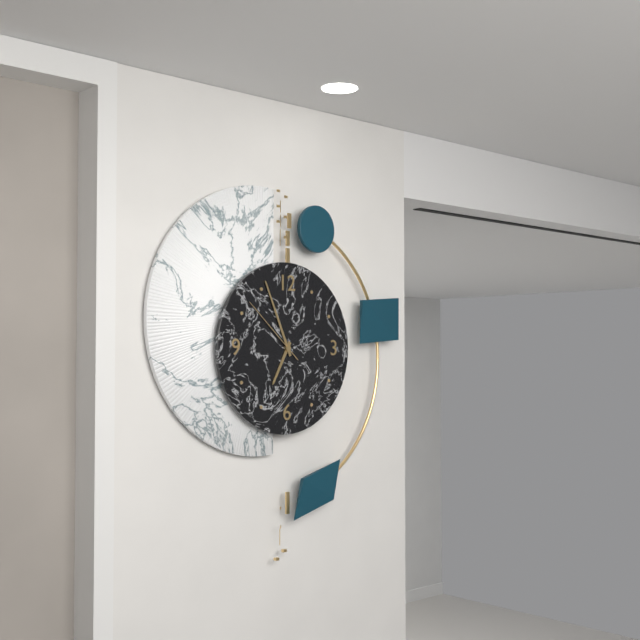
6,56,52
